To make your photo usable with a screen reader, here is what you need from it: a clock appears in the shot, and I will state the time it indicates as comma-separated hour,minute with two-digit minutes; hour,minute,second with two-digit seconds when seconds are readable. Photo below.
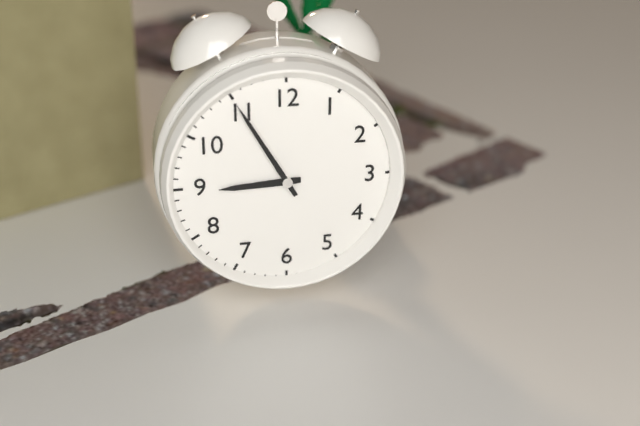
8,55
